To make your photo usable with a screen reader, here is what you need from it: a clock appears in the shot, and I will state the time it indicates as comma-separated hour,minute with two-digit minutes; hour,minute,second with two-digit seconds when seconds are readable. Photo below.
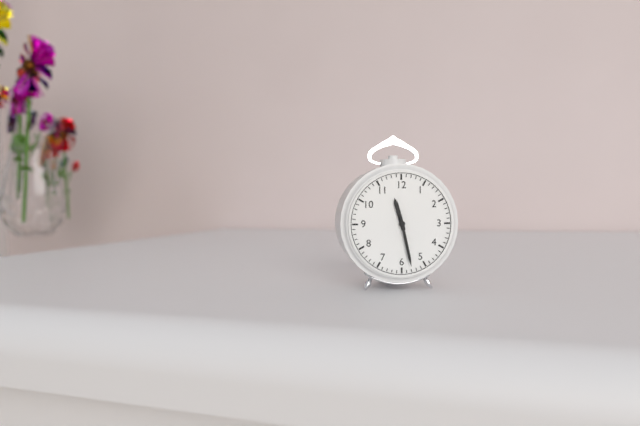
11,28
